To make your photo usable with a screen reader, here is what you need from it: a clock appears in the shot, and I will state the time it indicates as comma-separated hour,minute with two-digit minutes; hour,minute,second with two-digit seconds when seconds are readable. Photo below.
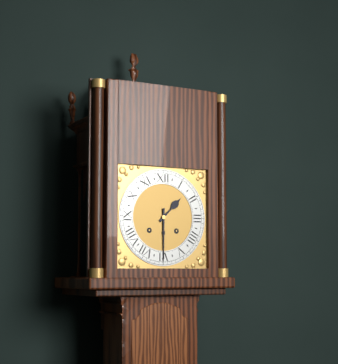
1,30
